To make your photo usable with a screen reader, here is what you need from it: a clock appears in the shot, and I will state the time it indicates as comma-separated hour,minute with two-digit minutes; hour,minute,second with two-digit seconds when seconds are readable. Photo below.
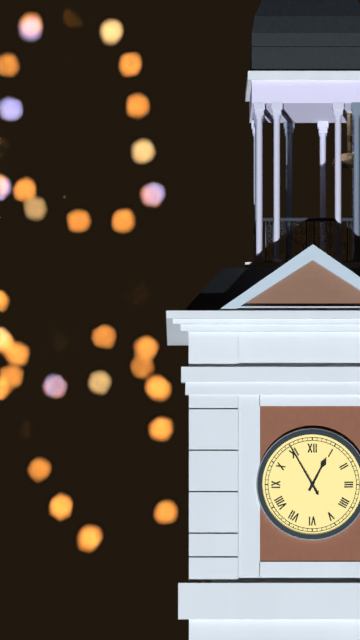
12,55
